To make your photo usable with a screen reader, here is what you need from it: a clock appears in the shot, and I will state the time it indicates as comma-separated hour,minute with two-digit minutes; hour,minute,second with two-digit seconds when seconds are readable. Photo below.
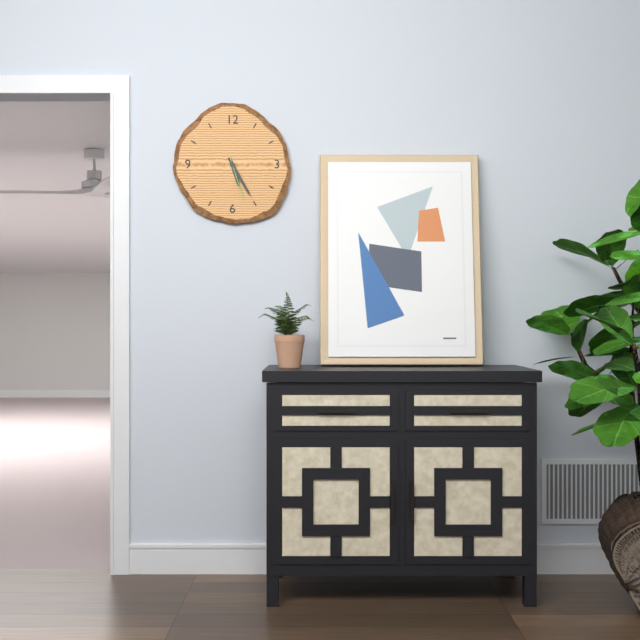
5,25
